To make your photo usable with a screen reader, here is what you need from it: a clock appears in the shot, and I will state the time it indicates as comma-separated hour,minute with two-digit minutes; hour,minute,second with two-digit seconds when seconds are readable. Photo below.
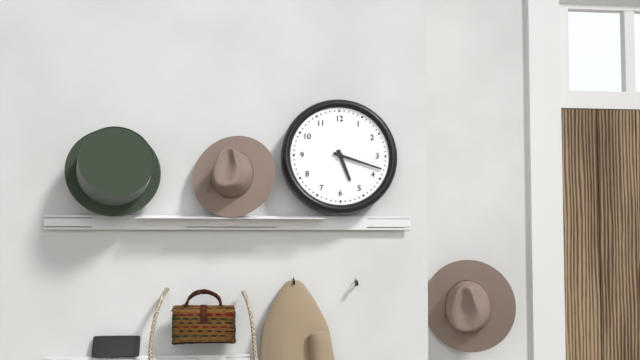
5,18
